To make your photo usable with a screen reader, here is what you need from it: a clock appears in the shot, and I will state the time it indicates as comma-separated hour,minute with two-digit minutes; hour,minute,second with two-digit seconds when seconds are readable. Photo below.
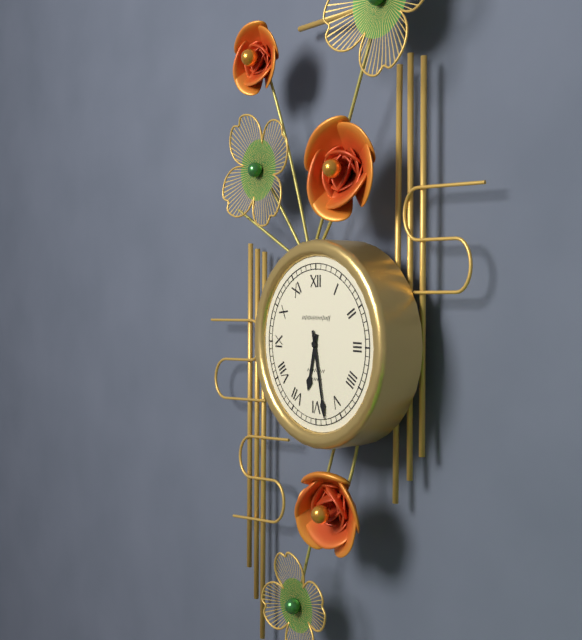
6,28
